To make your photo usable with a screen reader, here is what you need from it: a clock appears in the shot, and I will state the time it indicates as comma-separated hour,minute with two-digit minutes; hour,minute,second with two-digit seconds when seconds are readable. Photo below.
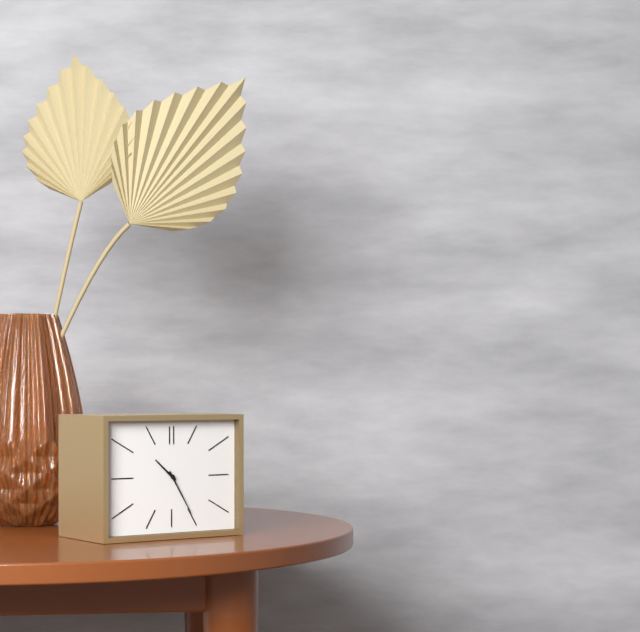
10,25
